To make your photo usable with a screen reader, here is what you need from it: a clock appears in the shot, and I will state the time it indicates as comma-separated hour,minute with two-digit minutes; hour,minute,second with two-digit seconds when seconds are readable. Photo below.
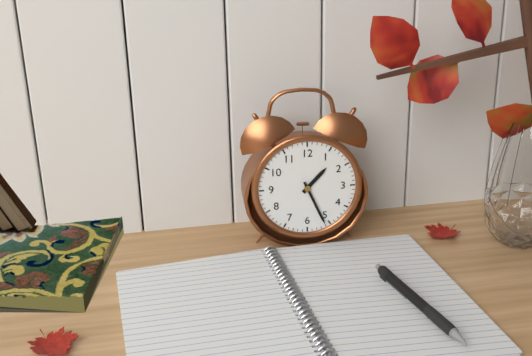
1,26
